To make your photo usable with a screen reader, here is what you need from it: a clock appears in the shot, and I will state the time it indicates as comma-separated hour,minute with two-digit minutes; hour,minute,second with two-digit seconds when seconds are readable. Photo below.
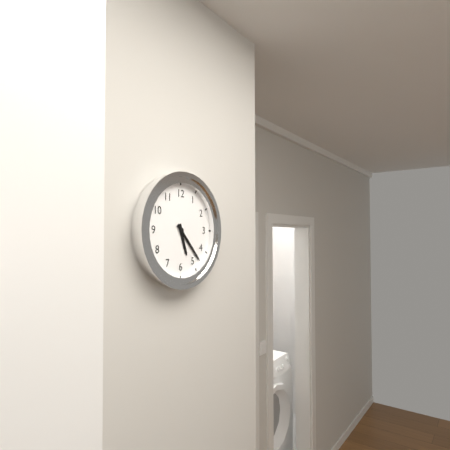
5,23
